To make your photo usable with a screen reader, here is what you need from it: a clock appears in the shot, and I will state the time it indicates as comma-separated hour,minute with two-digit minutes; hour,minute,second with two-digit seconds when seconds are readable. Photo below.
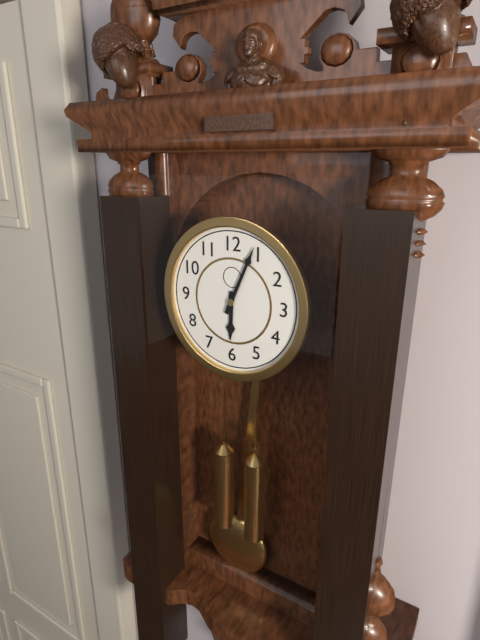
6,04
